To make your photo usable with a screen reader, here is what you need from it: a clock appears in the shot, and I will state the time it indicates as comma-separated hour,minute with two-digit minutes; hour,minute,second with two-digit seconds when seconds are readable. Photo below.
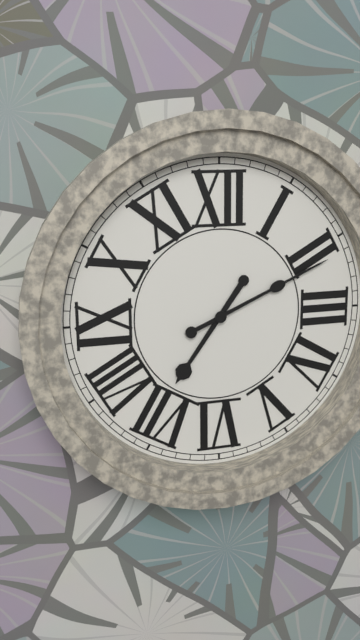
7,11
